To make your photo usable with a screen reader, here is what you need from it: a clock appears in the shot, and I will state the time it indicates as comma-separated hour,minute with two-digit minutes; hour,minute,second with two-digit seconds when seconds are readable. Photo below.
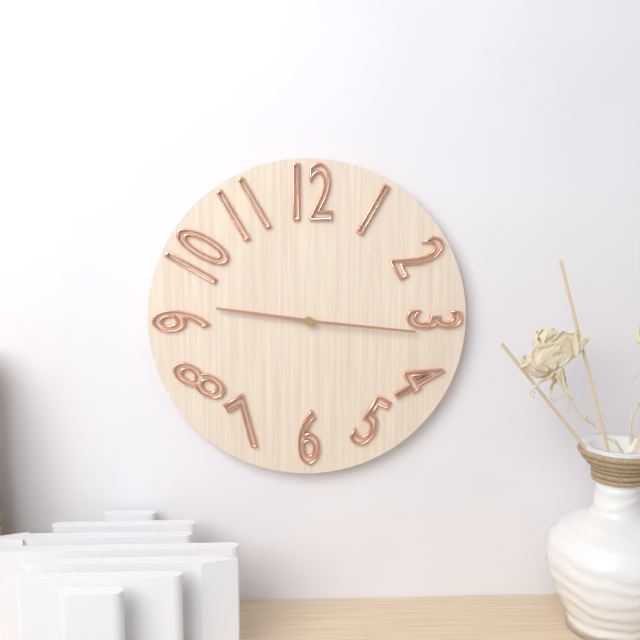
9,16
